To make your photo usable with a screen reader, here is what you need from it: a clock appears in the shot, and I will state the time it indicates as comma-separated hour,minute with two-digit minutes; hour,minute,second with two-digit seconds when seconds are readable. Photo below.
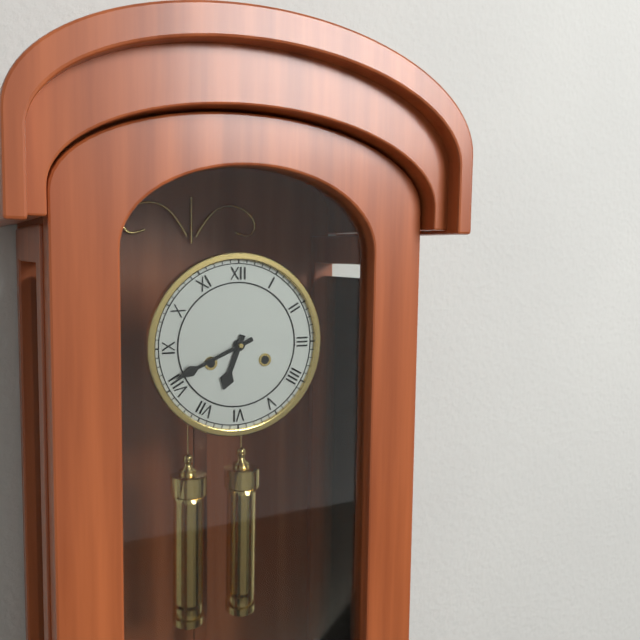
6,41
